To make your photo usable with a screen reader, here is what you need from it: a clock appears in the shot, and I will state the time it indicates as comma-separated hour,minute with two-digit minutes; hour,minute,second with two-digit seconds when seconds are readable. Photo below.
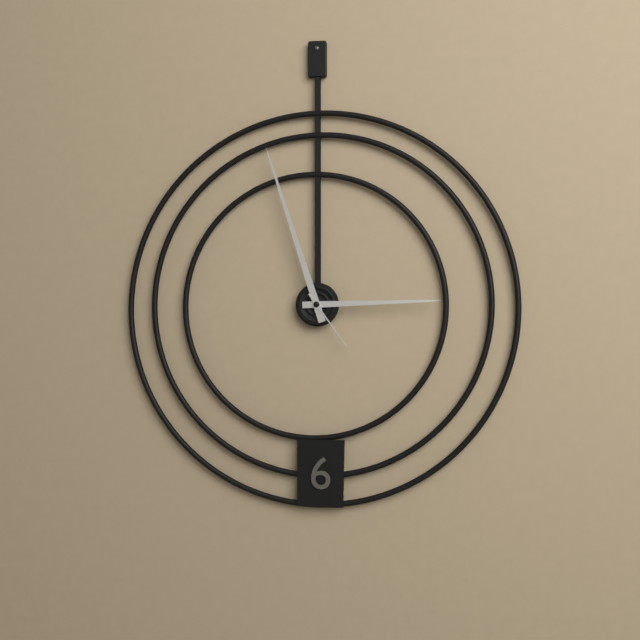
2,57,24
